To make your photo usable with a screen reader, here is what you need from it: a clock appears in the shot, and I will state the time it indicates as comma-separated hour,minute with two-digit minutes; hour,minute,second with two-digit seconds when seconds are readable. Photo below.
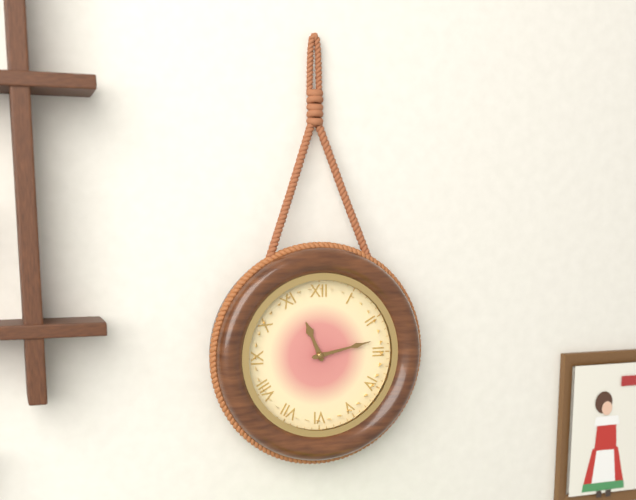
11,13
